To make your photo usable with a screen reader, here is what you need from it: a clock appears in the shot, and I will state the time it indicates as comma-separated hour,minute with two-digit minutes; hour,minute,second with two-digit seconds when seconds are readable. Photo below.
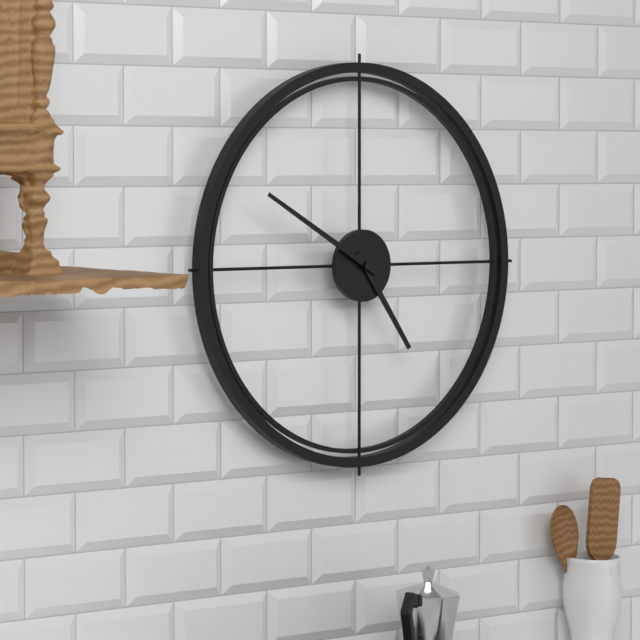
4,50
